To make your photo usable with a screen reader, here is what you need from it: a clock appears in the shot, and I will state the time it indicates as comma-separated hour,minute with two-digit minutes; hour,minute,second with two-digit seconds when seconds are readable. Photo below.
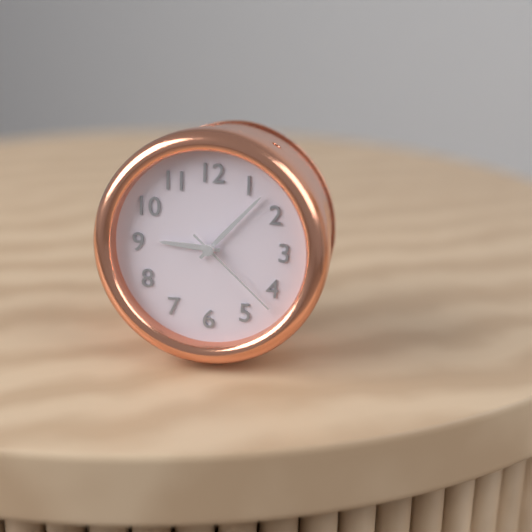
9,07,22
